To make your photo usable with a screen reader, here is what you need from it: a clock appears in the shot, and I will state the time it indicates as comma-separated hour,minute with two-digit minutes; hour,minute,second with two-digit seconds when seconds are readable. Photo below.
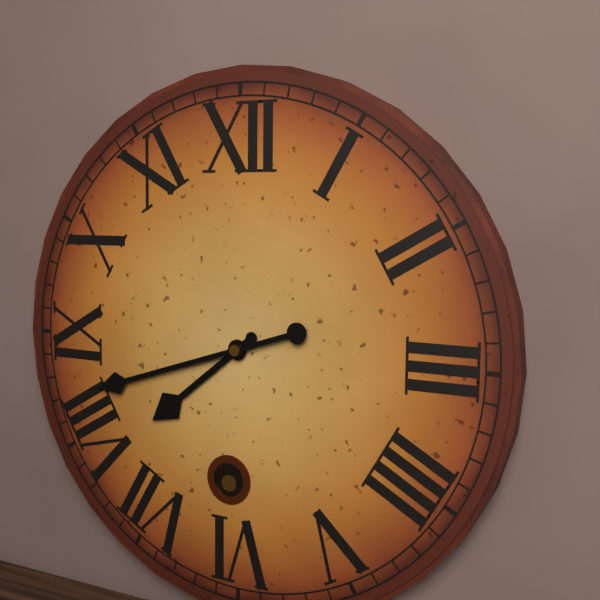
7,42
